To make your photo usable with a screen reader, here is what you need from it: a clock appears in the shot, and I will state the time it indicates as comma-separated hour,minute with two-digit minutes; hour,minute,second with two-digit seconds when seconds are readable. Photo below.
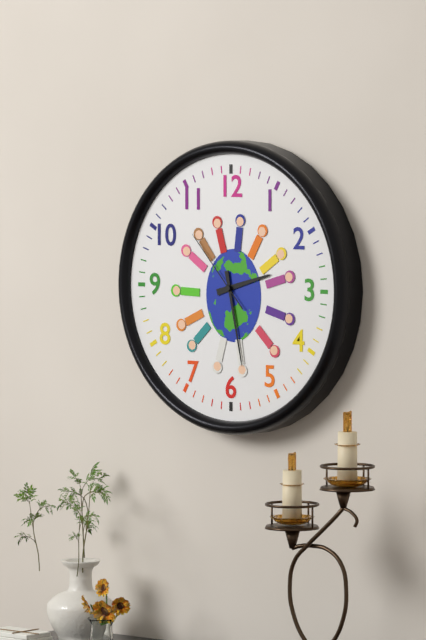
2,28,53
